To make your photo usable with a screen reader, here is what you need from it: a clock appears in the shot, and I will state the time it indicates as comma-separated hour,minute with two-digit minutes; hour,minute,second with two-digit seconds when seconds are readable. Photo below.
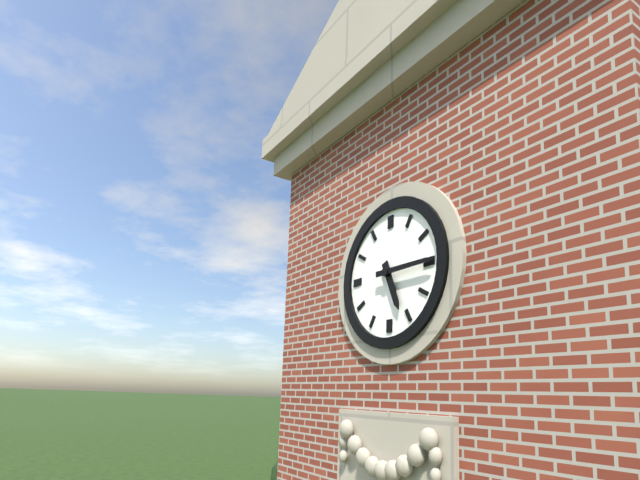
5,15
